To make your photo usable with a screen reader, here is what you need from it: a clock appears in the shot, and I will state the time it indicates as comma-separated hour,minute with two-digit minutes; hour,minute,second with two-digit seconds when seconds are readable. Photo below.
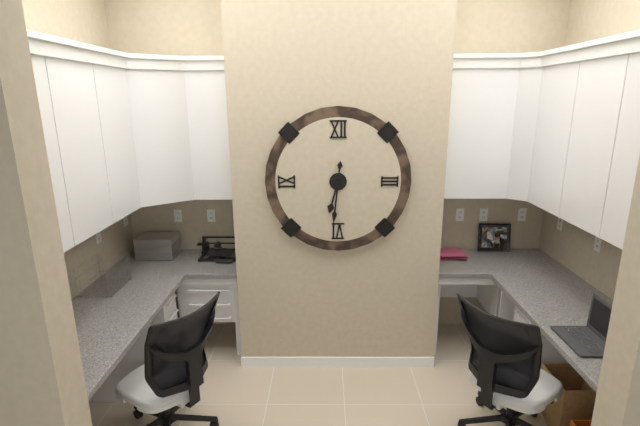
6,31
